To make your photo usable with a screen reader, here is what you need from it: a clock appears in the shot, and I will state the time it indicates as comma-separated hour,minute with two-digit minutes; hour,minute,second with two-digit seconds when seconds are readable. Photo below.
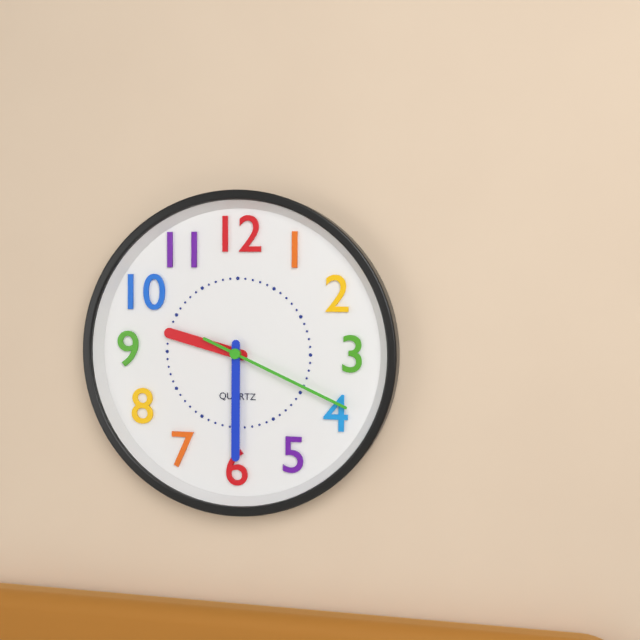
9,30,19
